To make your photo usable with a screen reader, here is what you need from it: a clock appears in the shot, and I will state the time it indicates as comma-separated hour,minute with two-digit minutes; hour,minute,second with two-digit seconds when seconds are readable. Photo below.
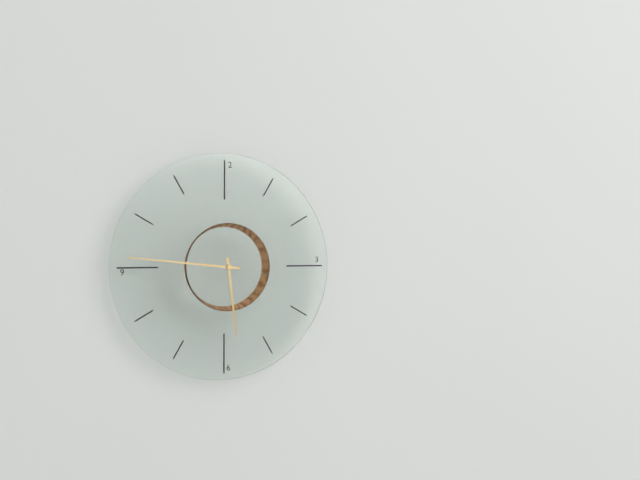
5,46
